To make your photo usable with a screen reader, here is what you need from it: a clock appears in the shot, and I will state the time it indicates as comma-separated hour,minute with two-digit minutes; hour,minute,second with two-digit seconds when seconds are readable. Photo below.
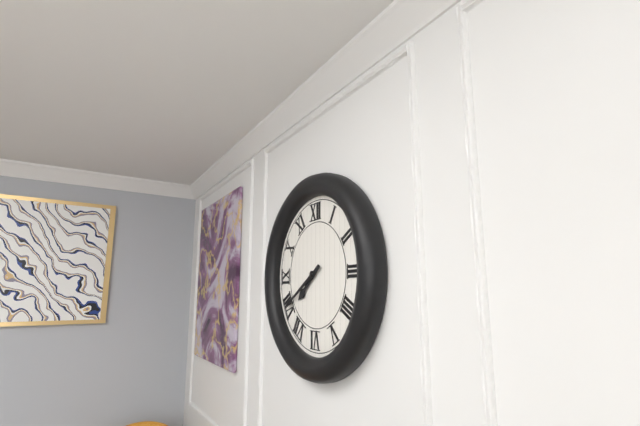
7,40
